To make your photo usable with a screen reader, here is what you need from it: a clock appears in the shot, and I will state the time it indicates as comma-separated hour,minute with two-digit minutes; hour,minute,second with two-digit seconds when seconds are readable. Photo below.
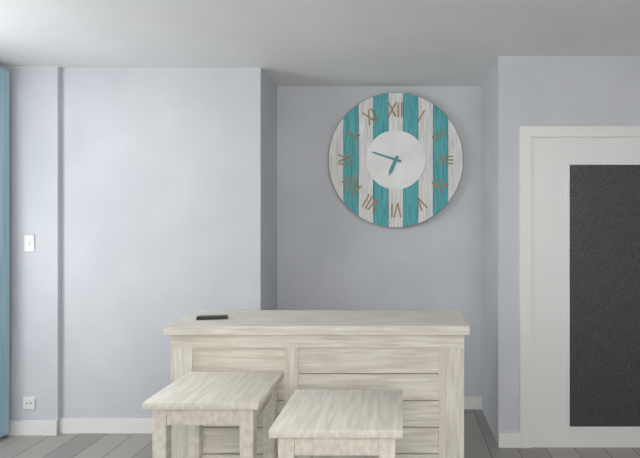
6,48
